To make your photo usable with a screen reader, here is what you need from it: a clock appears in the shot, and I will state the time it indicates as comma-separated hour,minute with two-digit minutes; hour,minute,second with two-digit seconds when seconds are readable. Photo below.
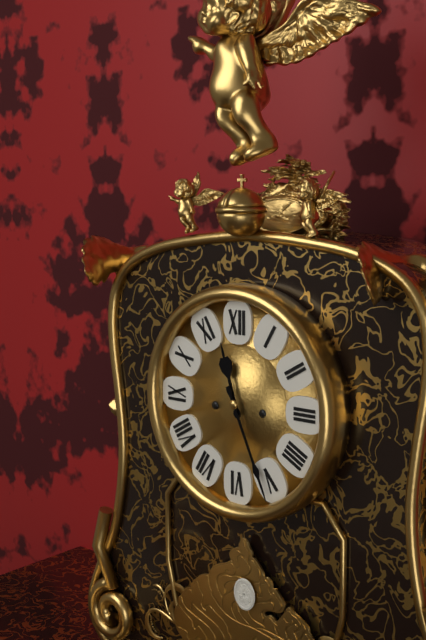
11,26
